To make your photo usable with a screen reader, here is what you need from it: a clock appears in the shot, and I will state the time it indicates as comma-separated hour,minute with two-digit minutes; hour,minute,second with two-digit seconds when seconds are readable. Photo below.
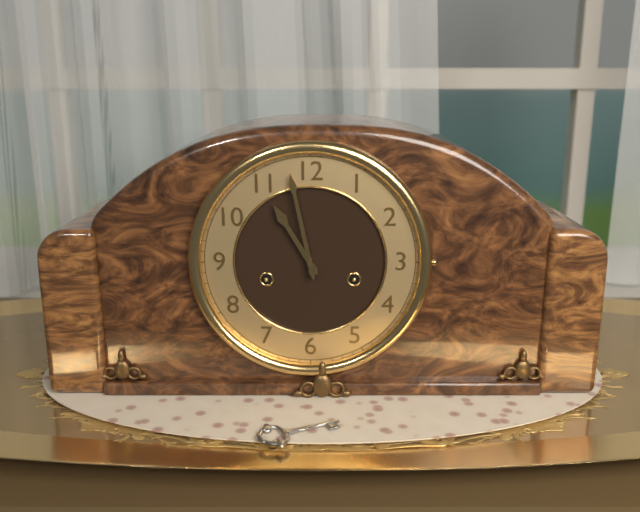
10,58
